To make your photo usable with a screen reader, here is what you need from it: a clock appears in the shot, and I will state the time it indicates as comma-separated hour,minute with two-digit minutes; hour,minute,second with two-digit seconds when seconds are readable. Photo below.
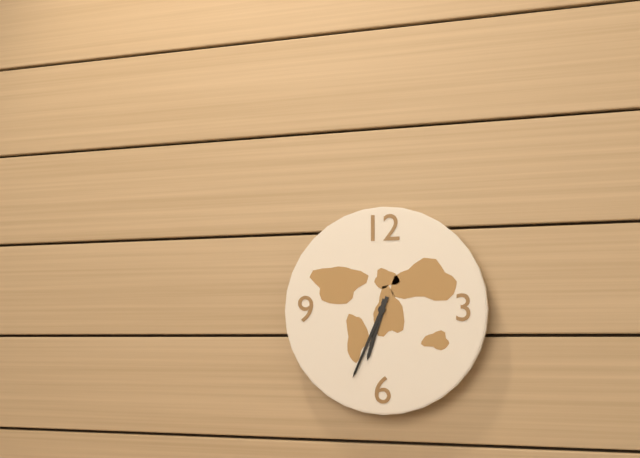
6,34
